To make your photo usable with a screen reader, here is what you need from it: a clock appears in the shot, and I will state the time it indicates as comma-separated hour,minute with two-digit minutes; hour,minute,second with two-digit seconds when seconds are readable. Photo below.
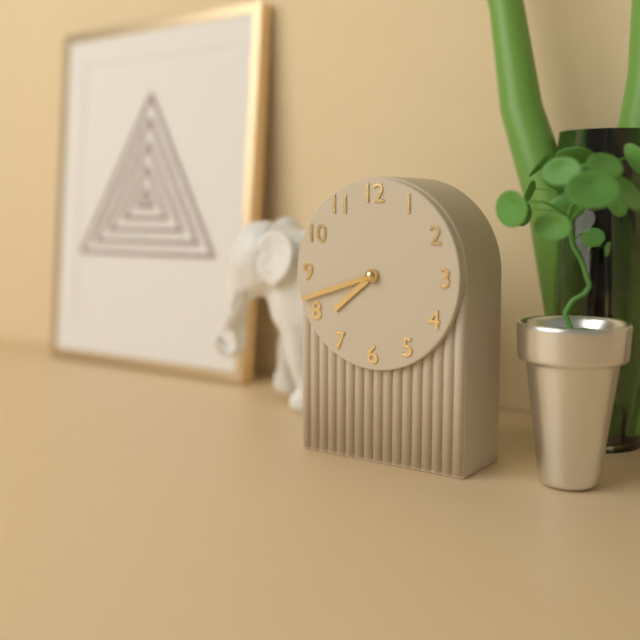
7,42
